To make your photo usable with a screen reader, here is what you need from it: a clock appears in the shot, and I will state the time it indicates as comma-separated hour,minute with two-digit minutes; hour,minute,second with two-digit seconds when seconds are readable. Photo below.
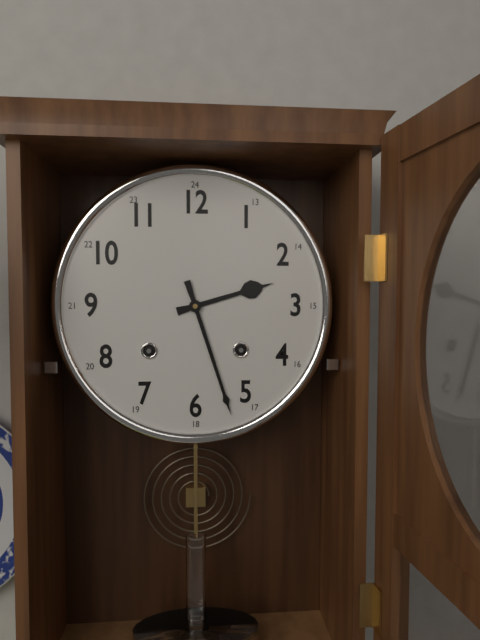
2,27
